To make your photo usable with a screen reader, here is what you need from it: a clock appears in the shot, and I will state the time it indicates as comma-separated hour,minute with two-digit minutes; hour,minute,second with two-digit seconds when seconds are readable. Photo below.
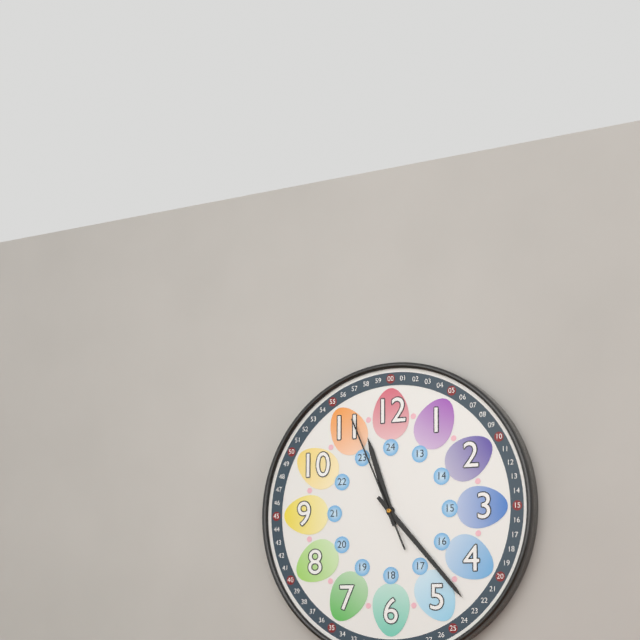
11,23,56
